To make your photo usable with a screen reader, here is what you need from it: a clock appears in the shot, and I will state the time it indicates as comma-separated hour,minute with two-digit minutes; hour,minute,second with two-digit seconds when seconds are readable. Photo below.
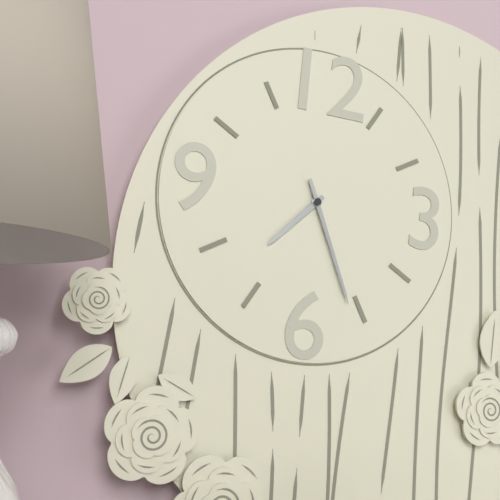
7,26
